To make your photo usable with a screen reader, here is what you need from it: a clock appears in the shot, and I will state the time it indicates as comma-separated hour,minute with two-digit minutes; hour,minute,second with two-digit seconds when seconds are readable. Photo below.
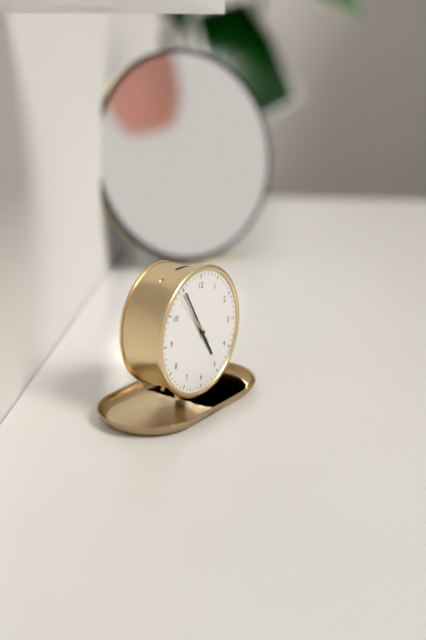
4,55
